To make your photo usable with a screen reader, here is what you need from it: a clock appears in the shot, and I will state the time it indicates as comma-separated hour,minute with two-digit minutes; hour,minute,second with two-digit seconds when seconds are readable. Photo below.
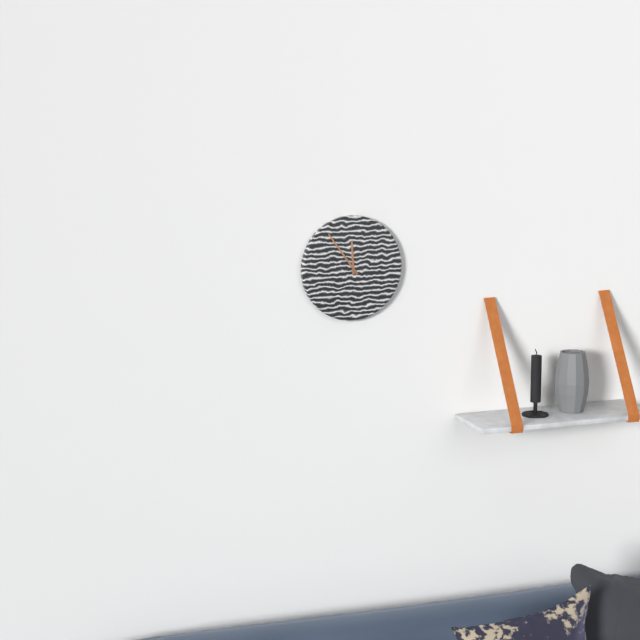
11,54
